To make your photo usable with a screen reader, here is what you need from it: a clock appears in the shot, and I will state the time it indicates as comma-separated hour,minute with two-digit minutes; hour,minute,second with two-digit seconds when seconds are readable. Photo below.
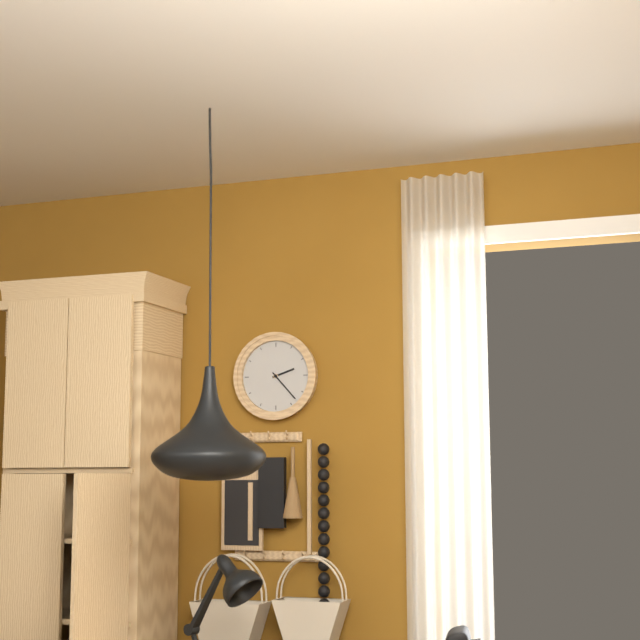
2,23
